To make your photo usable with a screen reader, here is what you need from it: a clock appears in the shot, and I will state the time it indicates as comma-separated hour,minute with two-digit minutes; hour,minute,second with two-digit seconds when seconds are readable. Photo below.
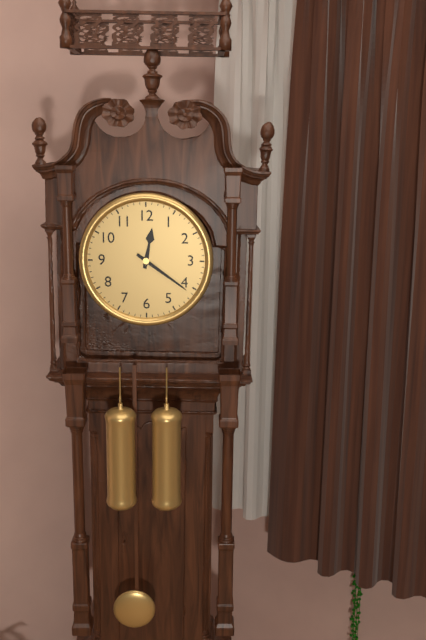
12,21
